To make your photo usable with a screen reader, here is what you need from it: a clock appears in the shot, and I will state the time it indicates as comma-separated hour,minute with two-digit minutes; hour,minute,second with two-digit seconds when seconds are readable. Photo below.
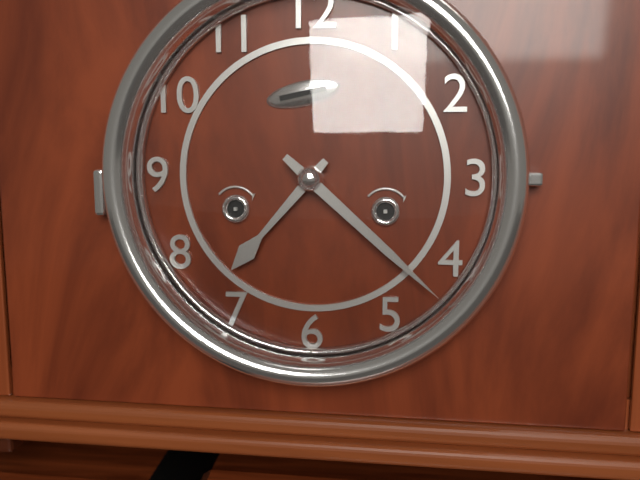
7,22
